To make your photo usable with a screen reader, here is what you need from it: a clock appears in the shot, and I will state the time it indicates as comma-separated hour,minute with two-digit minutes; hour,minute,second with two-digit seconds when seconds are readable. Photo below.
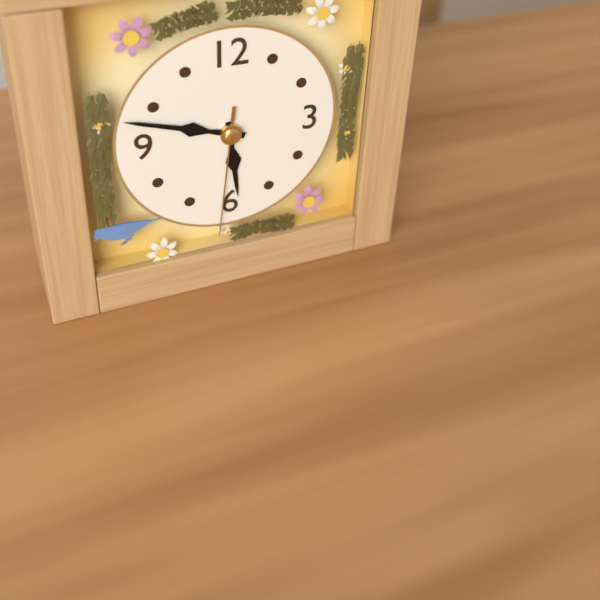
5,48,31
